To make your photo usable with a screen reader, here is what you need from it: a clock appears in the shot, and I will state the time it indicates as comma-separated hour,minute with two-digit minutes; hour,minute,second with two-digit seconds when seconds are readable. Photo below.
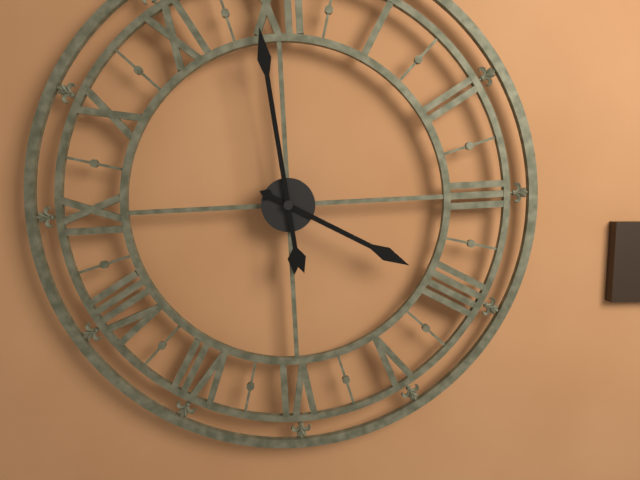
3,59
